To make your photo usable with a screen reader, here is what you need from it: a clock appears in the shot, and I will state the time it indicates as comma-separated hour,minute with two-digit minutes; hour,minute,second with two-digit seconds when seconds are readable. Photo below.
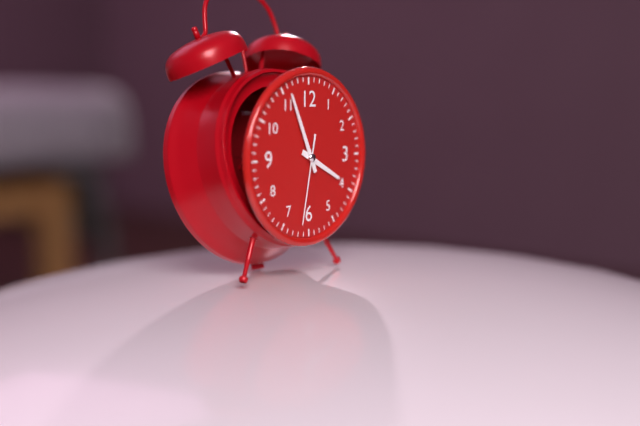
3,56,32
